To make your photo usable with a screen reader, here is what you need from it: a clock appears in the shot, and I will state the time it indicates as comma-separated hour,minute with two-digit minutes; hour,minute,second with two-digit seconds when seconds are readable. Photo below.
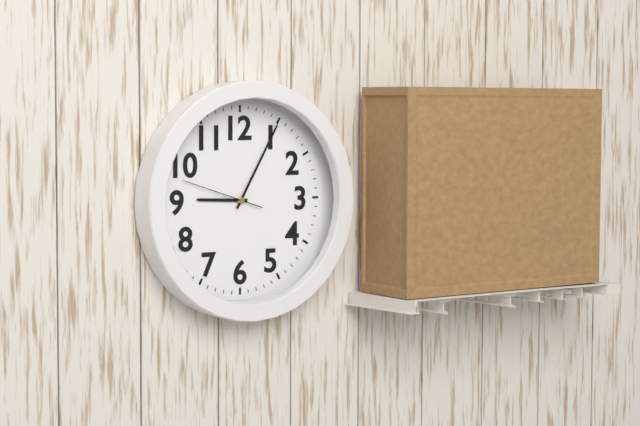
9,05,48
